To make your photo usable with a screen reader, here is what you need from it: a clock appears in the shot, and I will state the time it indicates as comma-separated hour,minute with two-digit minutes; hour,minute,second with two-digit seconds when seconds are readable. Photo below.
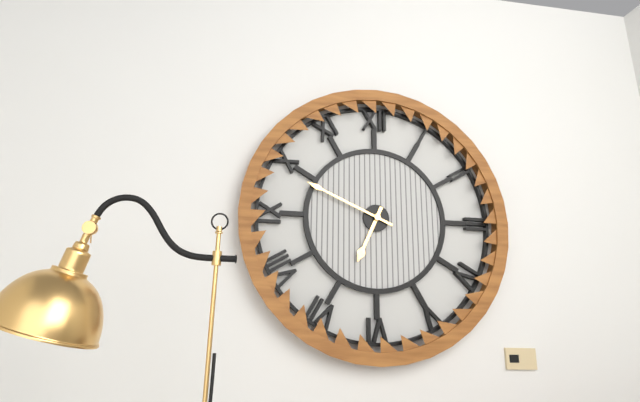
6,49
